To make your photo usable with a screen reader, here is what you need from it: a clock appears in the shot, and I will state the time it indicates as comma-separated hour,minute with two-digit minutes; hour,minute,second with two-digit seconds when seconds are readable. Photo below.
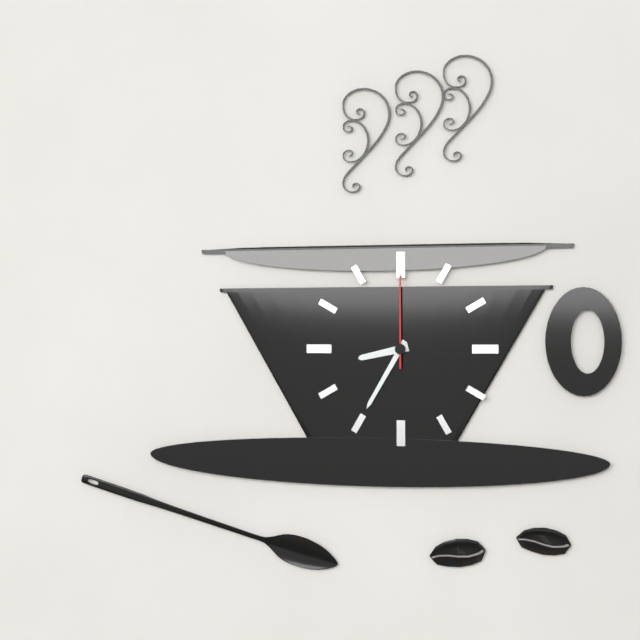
8,35,00
